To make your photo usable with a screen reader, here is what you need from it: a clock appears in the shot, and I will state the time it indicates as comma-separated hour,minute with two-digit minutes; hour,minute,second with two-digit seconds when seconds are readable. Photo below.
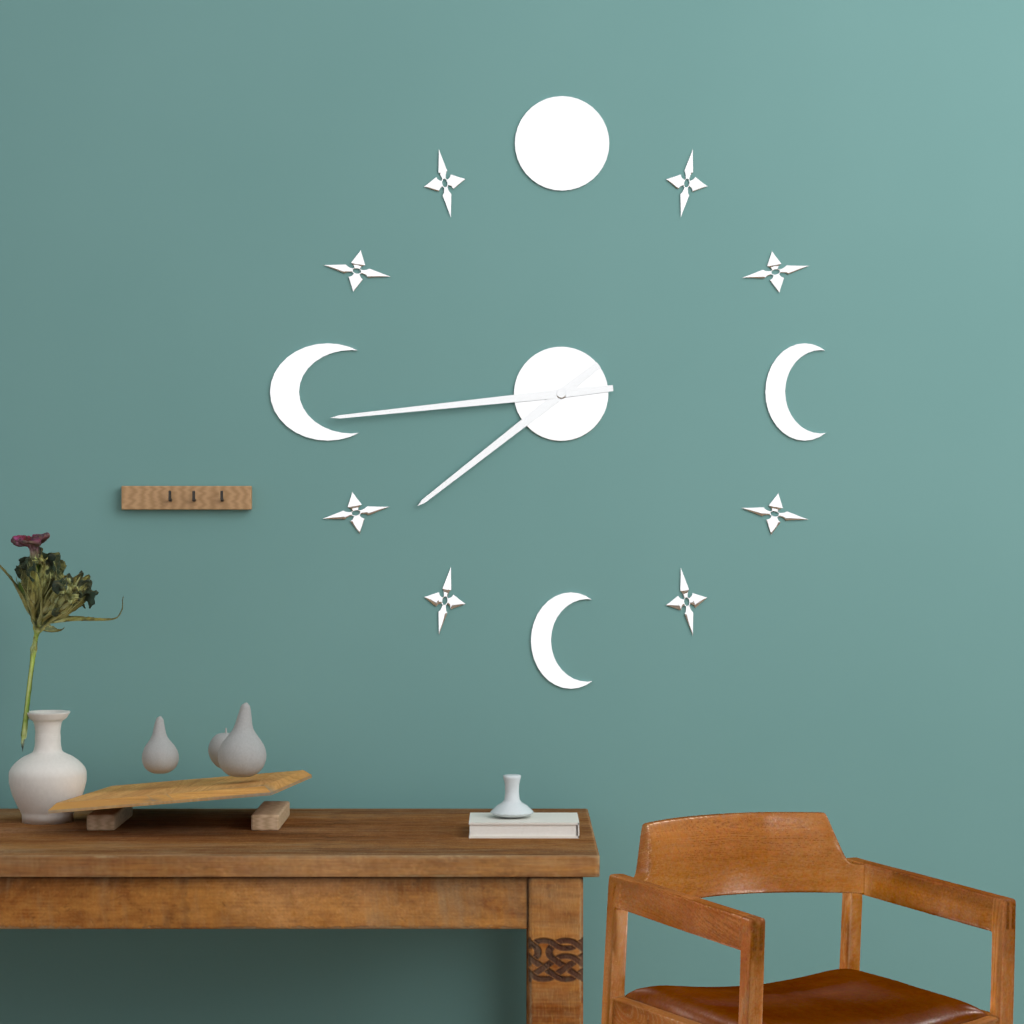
7,44
